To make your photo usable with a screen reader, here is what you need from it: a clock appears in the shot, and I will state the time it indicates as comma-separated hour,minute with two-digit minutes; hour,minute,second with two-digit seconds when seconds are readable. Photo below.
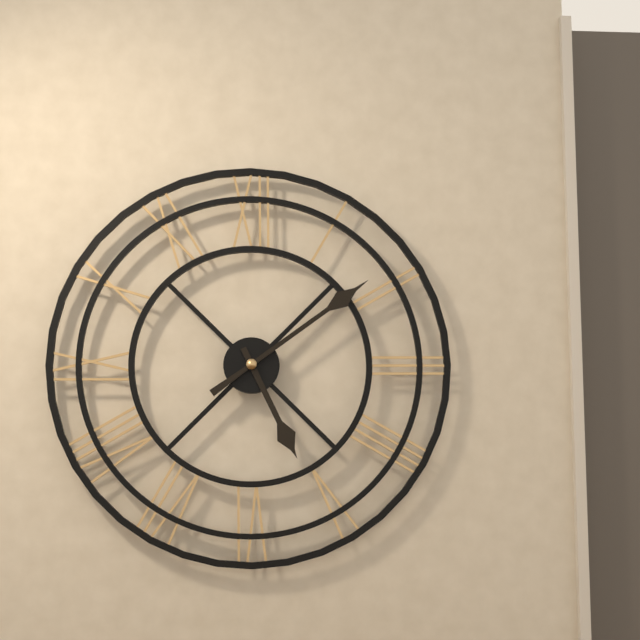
5,09
